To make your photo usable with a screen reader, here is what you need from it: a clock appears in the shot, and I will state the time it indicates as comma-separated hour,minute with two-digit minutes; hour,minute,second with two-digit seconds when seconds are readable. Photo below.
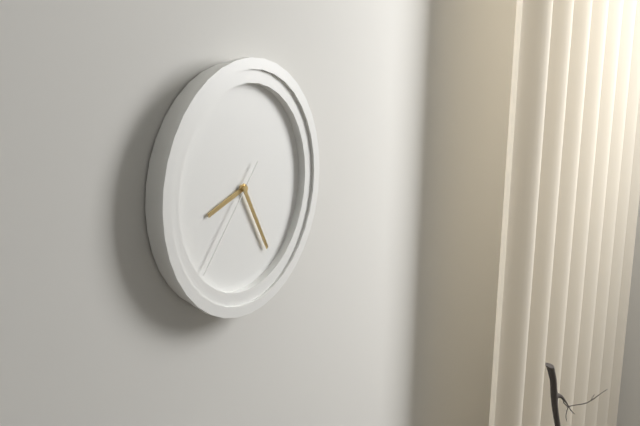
8,25,37
